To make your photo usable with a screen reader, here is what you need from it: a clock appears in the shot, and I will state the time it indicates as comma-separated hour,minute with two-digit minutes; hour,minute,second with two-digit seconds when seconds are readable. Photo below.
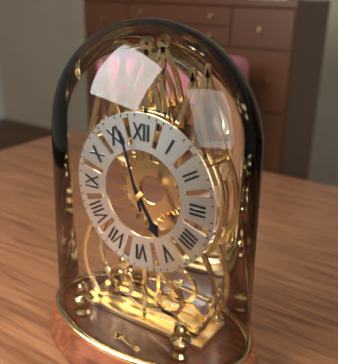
4,57
